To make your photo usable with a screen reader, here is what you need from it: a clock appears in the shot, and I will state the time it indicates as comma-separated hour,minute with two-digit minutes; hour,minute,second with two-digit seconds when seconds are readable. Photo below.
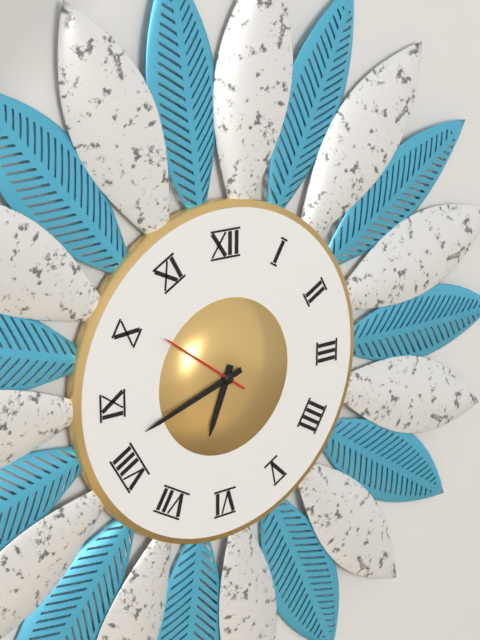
6,42,51
